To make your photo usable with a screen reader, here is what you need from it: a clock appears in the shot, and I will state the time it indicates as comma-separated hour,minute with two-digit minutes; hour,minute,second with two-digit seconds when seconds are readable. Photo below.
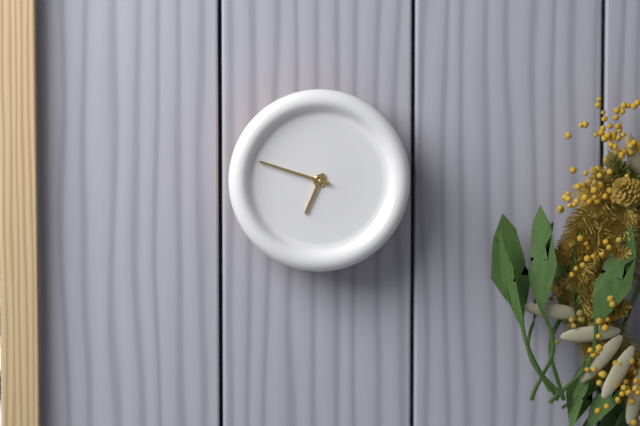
6,48
